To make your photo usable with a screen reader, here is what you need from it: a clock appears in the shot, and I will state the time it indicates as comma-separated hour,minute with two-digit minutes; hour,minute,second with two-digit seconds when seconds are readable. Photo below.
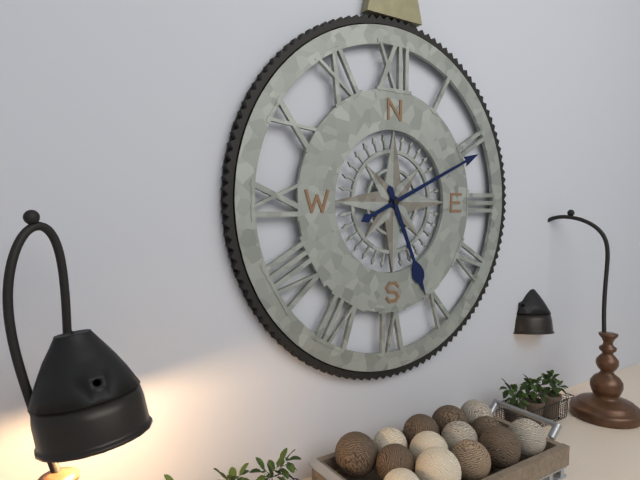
5,11
